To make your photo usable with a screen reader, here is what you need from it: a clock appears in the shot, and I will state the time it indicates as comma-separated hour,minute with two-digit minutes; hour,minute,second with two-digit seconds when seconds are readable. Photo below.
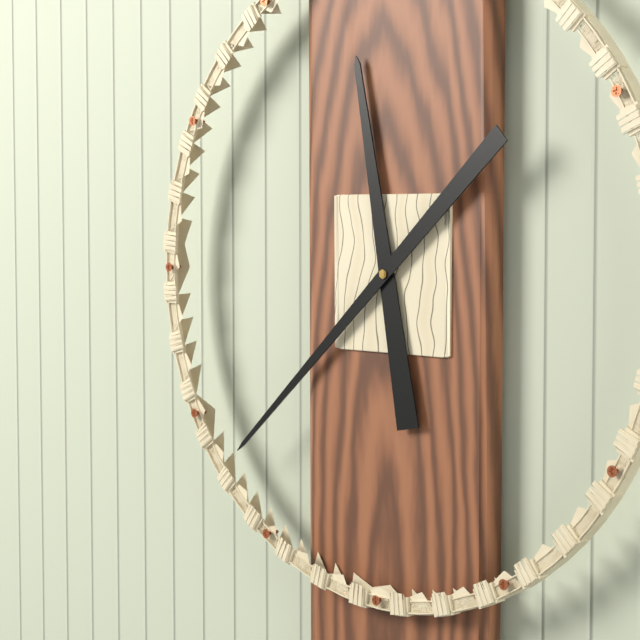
11,38
